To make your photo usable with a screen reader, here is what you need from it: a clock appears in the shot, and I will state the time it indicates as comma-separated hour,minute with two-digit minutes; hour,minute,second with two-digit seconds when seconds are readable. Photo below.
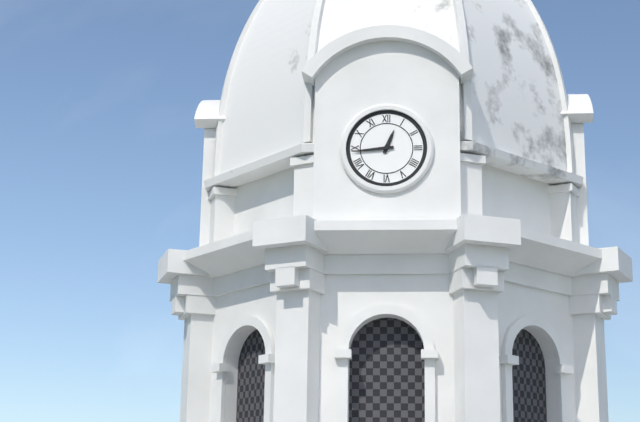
12,44
